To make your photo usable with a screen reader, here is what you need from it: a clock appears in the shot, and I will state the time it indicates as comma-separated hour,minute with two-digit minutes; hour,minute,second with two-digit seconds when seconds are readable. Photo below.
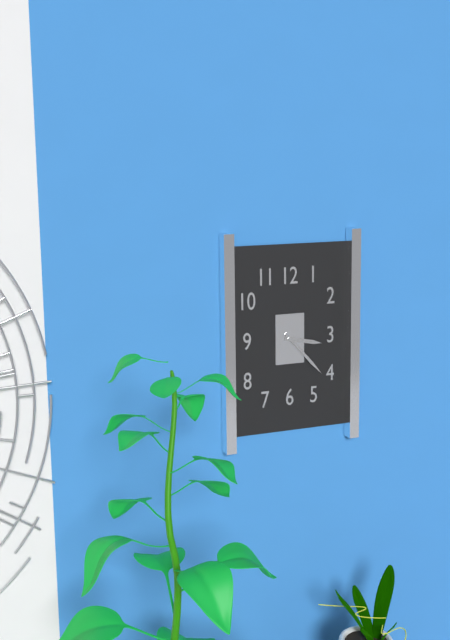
3,23
